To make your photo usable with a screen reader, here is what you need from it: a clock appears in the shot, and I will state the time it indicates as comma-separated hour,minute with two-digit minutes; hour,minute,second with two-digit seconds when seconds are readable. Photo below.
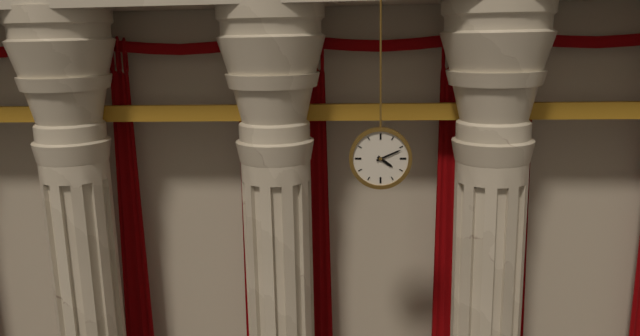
4,11
